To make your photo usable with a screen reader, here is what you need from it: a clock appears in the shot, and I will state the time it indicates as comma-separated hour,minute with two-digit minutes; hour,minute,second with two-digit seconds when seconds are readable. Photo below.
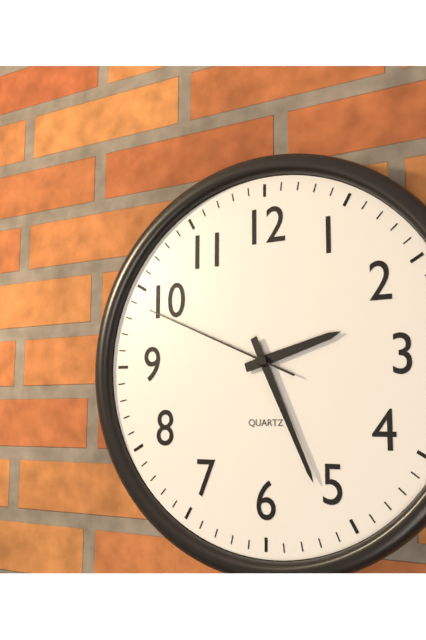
2,26,49
